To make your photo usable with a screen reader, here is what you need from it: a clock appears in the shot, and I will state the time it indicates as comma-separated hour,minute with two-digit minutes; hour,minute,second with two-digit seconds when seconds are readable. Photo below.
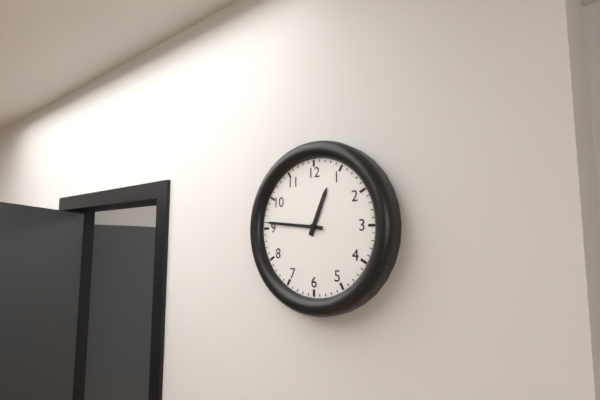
12,46
